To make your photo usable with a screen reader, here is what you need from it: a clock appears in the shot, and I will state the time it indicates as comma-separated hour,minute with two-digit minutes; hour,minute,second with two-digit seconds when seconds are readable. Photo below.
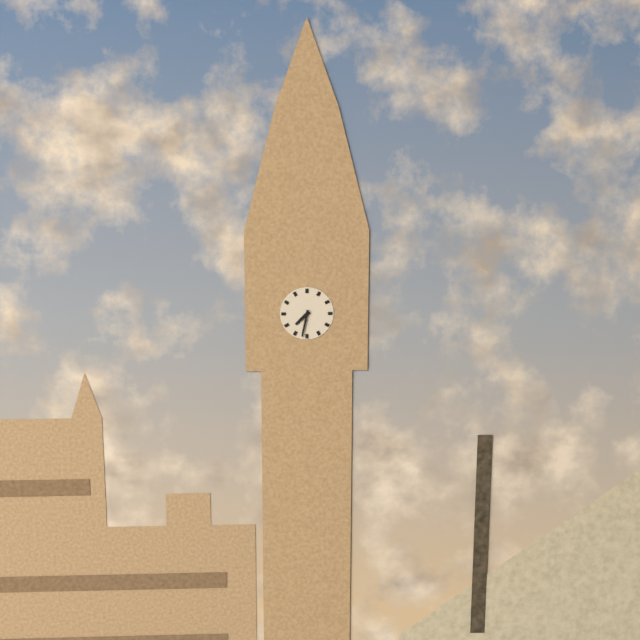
7,32
